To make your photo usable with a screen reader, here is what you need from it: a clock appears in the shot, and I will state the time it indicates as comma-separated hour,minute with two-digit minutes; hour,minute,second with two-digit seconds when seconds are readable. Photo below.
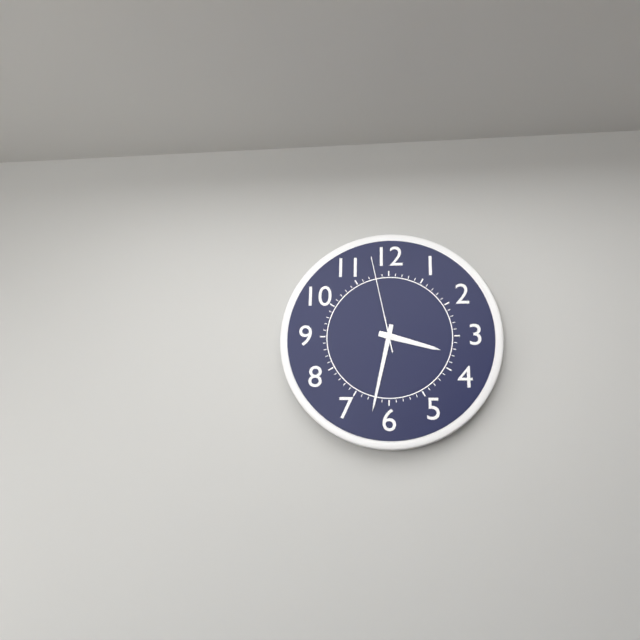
3,32,58
